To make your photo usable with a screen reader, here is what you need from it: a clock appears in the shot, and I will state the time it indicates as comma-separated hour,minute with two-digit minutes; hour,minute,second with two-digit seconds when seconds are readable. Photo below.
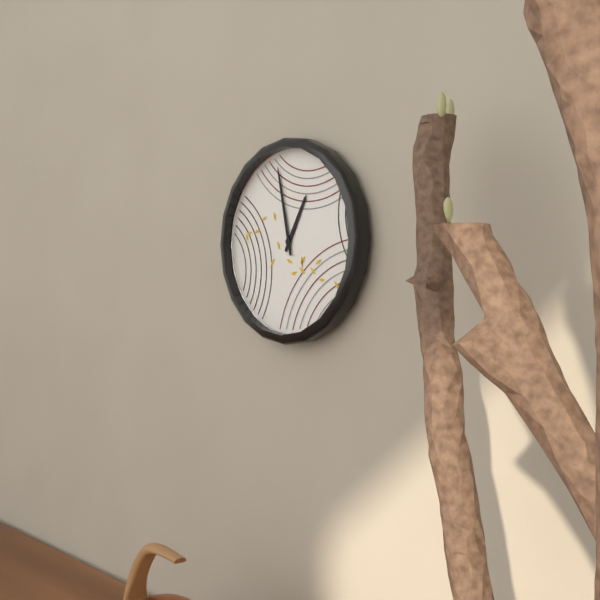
12,58
